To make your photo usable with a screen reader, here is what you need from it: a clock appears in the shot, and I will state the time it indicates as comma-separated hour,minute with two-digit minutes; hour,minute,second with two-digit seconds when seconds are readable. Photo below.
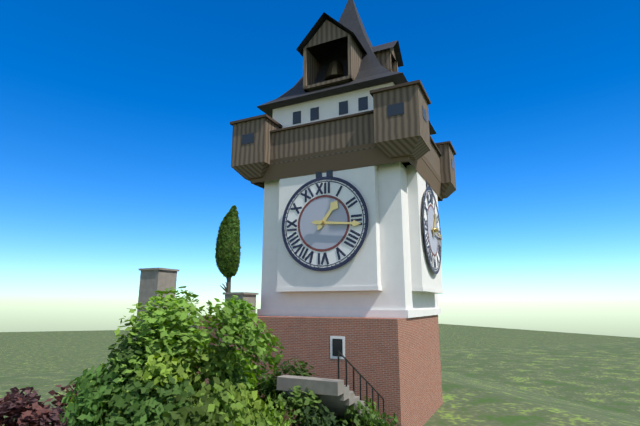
1,16
